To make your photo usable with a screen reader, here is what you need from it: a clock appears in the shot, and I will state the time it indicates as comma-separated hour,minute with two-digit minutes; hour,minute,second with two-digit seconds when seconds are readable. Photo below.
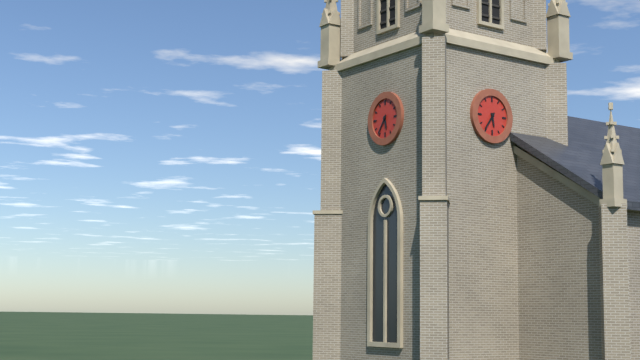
5,36
